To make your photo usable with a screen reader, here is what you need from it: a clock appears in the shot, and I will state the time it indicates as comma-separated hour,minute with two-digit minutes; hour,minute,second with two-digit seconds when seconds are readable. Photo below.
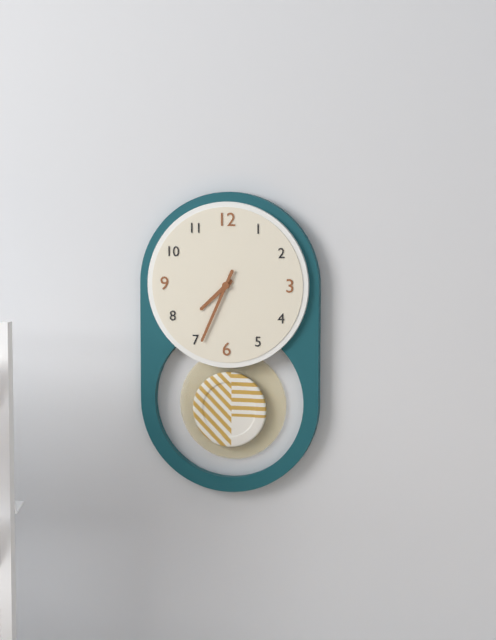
7,34
